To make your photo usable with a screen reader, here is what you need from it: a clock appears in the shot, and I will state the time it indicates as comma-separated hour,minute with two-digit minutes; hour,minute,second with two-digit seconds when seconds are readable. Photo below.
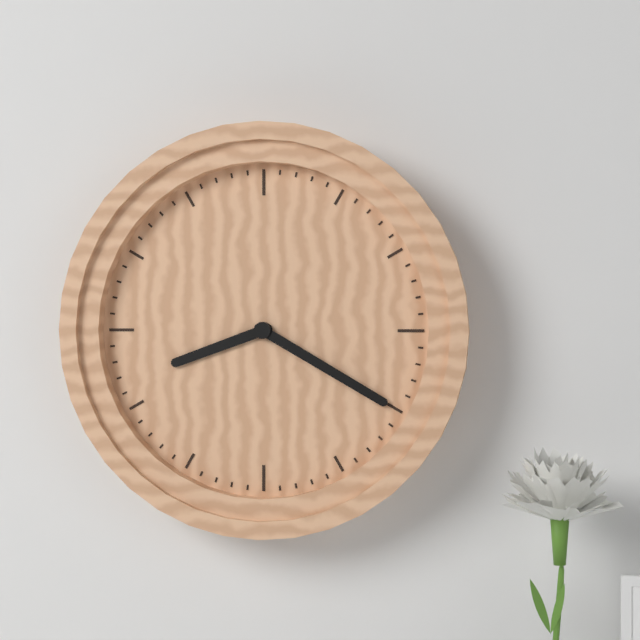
8,20
